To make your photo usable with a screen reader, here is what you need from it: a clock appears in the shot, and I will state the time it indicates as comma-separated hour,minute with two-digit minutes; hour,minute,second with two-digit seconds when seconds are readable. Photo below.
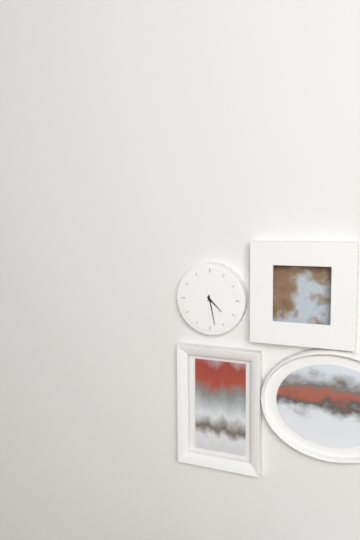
4,28
